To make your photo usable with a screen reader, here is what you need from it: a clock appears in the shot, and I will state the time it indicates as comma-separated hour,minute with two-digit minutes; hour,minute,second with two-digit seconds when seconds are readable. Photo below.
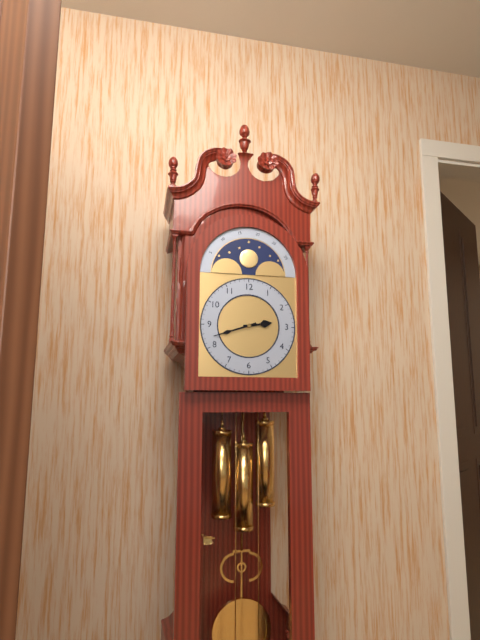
2,42
